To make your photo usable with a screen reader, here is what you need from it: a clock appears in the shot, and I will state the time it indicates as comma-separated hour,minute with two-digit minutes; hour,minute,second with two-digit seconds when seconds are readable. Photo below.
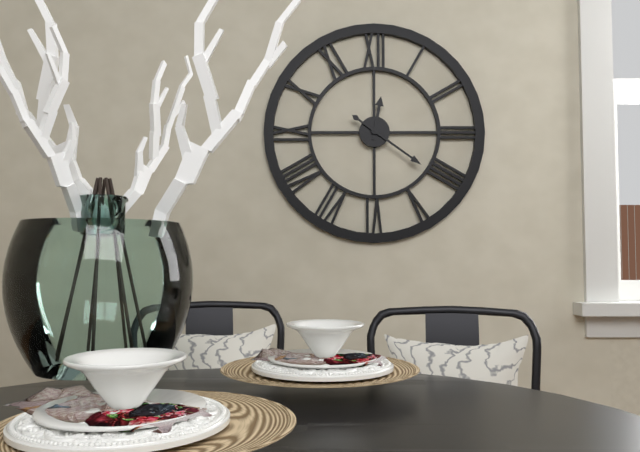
12,21
